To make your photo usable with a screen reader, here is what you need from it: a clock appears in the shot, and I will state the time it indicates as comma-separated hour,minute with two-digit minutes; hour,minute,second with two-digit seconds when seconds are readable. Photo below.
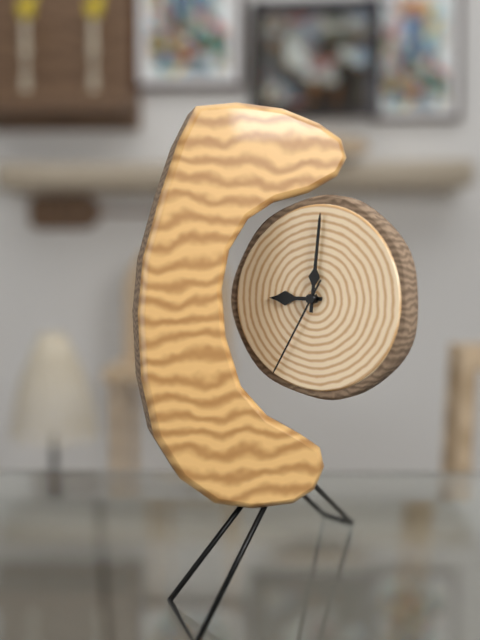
9,01,35
